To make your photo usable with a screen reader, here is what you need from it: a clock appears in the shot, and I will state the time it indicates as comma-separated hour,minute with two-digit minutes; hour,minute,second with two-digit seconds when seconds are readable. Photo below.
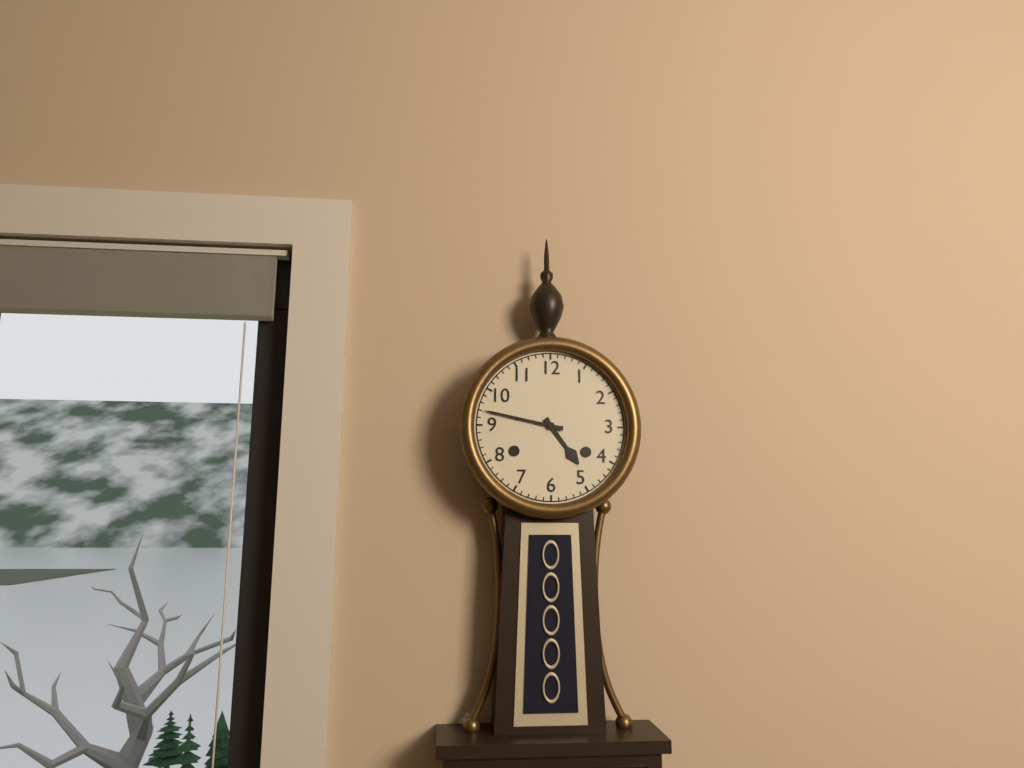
4,47
